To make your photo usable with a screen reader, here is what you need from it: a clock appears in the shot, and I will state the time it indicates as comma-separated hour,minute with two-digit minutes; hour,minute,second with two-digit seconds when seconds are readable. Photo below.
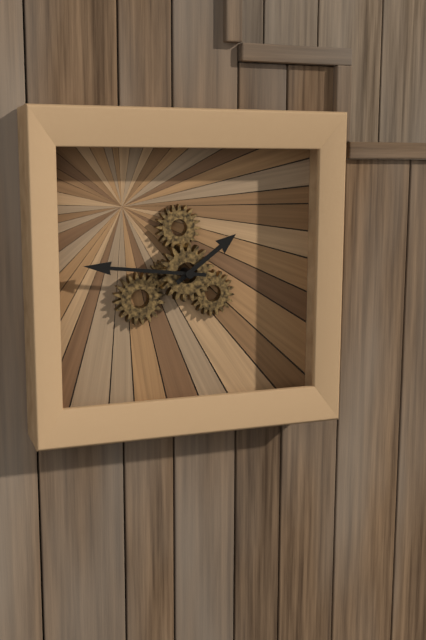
1,46
